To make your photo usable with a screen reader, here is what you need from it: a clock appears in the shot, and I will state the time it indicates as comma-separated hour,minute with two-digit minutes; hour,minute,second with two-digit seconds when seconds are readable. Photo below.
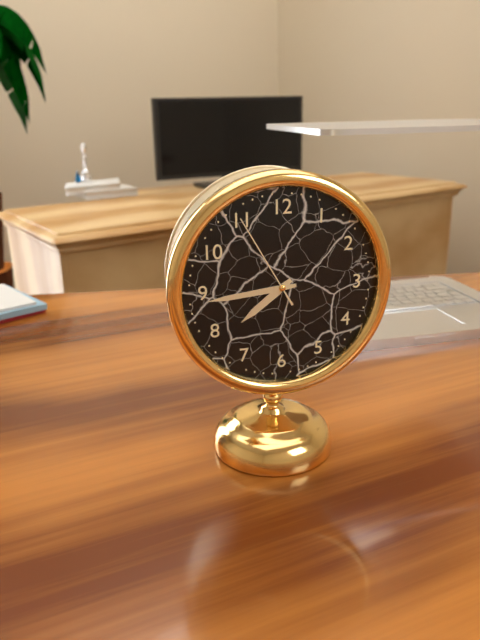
7,44,55
